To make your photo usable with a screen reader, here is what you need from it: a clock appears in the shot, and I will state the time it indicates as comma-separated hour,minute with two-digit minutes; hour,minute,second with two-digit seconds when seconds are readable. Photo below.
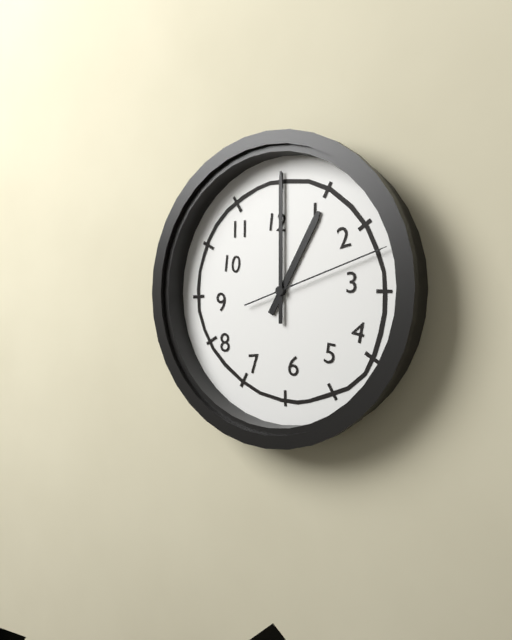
1,00,12
